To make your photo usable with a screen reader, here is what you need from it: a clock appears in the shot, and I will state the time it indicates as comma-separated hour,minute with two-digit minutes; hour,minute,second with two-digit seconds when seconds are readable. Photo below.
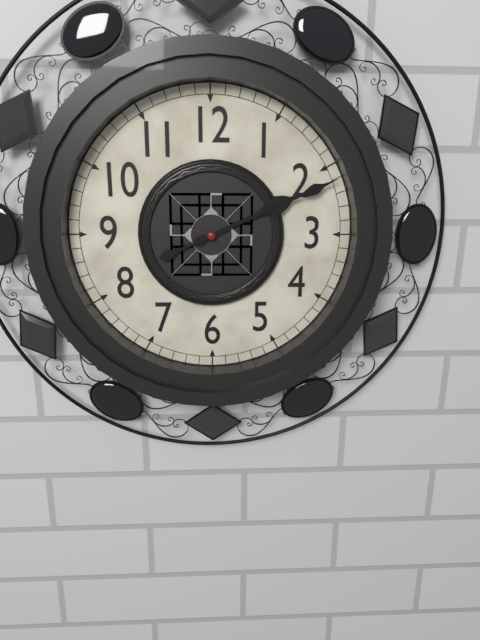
2,11
